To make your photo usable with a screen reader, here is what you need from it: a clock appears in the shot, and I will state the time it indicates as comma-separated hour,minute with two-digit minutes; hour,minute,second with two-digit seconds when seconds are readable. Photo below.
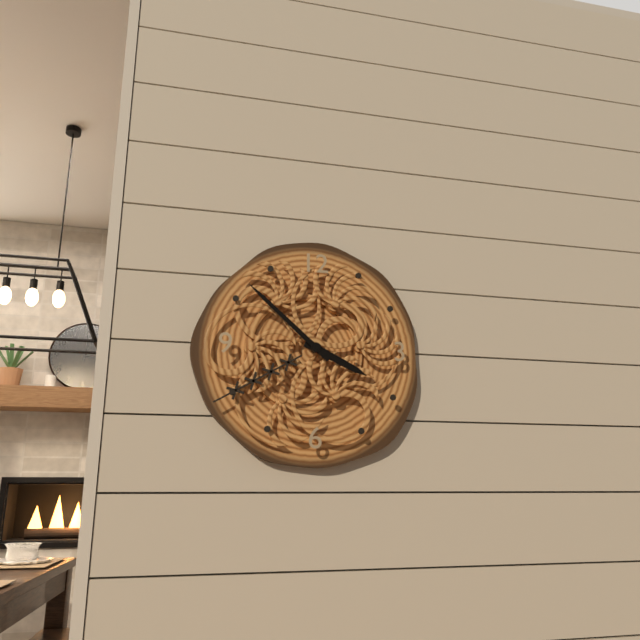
3,52
